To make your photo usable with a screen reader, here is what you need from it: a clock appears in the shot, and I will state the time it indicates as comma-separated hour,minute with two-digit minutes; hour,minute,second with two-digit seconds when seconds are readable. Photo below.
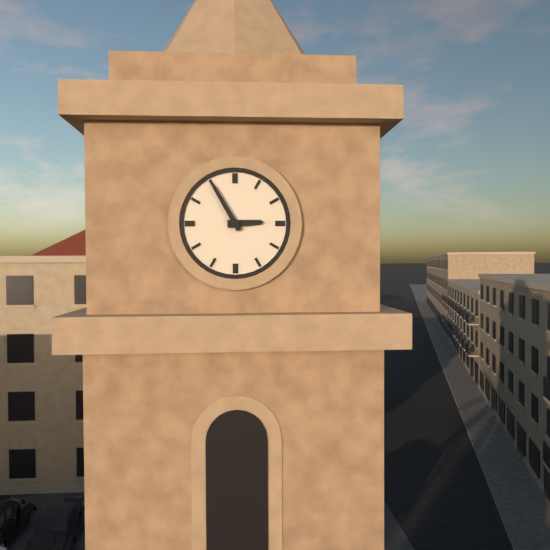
2,55
